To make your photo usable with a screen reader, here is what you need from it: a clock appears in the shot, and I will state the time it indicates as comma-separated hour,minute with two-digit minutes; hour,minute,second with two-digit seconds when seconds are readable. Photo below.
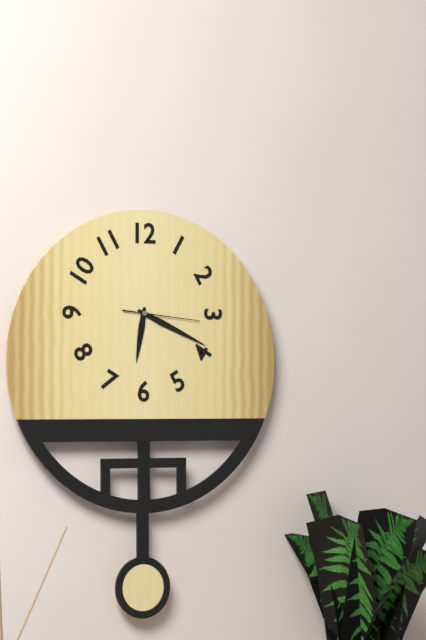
6,19,16
